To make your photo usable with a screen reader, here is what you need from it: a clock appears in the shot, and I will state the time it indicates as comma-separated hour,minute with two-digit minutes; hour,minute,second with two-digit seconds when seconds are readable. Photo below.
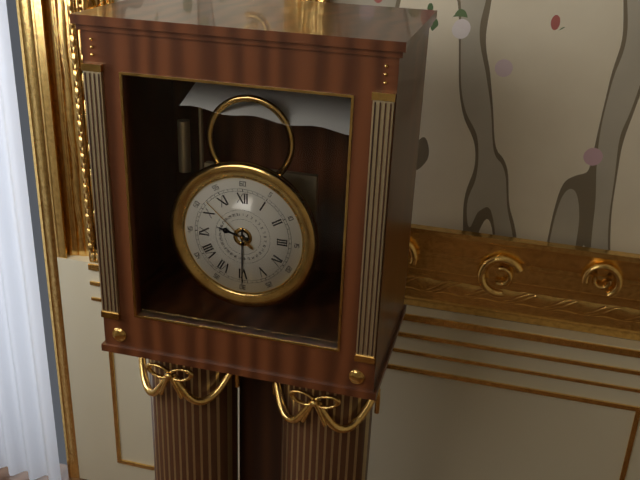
9,30,52
